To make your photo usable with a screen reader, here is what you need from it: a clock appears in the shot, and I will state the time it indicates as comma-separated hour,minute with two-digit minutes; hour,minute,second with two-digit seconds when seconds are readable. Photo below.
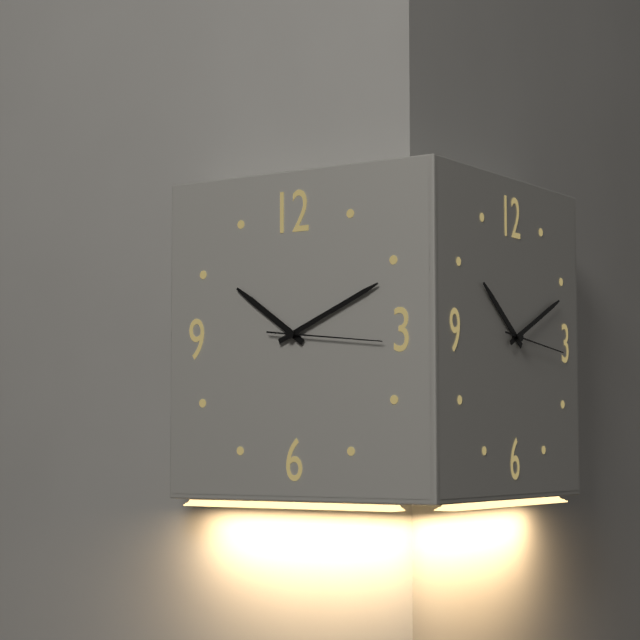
10,11,16
